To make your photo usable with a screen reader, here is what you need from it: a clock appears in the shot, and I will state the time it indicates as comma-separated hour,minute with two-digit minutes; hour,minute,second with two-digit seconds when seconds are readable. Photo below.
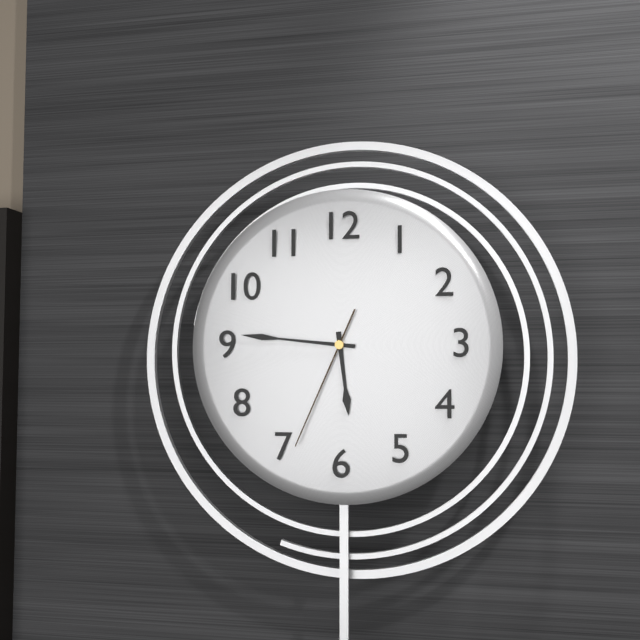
5,46,34
